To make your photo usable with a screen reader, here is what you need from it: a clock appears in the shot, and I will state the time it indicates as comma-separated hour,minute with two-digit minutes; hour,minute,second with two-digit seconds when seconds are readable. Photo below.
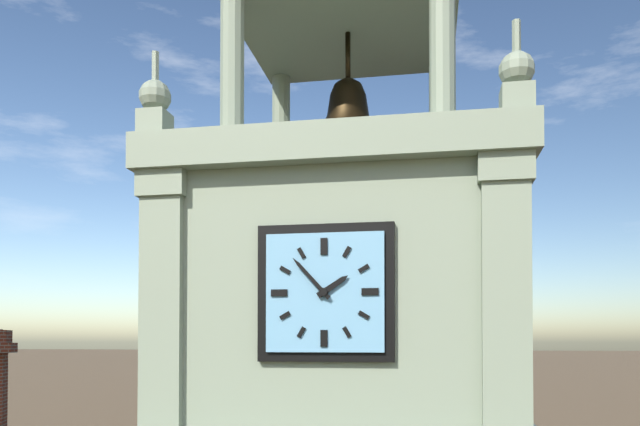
1,53
